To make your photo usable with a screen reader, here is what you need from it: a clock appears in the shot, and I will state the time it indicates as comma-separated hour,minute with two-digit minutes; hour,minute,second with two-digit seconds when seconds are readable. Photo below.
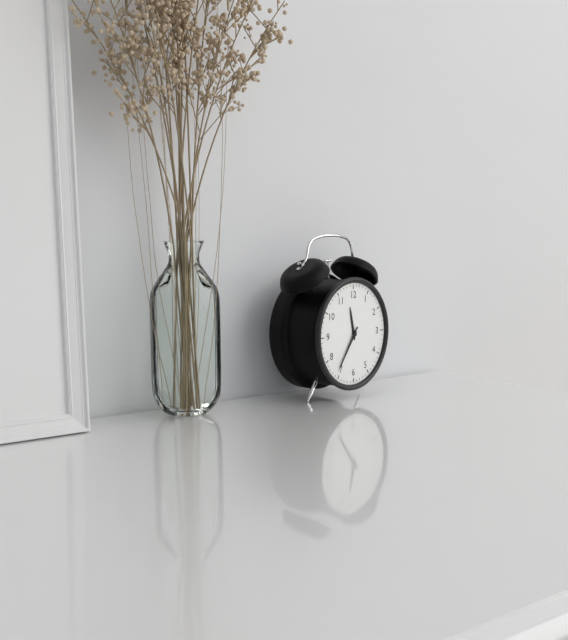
11,36
